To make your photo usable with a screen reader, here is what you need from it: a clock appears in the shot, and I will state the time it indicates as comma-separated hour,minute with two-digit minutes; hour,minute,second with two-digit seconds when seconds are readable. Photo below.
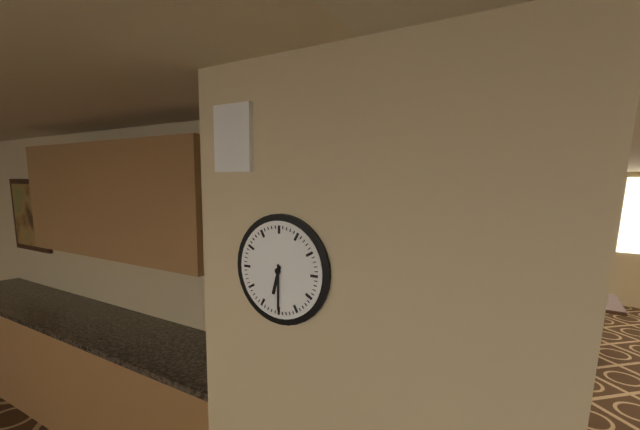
6,30
